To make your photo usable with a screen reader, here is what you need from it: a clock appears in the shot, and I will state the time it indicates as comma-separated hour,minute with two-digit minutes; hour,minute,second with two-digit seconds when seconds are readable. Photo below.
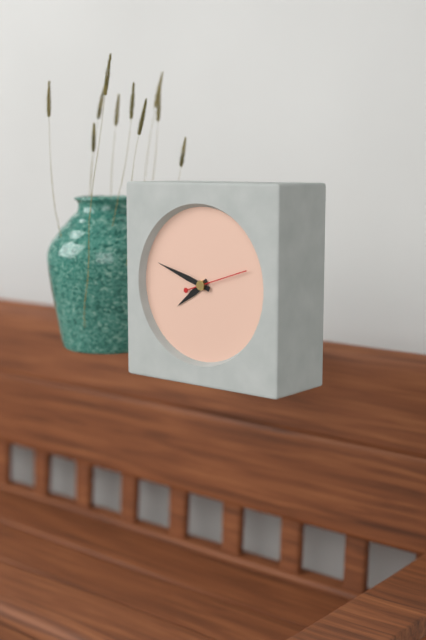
7,48,12
